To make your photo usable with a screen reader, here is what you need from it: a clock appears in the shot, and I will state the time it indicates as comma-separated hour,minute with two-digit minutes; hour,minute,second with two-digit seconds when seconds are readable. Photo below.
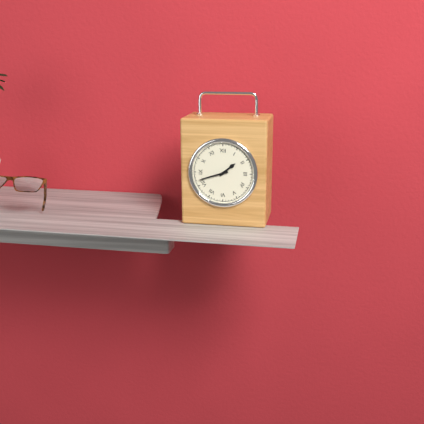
1,42
